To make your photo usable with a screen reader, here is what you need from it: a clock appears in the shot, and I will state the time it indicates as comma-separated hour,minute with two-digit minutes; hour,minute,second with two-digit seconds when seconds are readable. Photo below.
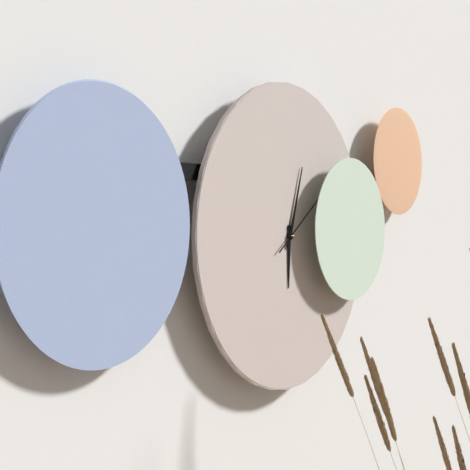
6,03,09
